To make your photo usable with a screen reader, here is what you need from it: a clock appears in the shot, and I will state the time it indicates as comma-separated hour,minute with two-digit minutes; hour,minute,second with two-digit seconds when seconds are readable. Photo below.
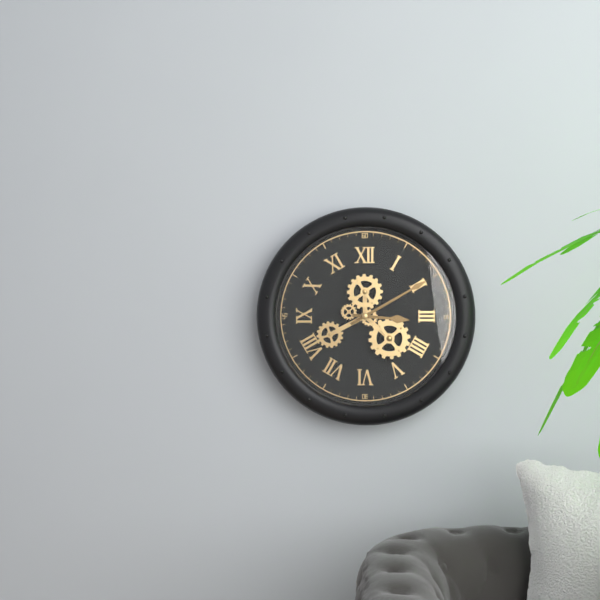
3,10
